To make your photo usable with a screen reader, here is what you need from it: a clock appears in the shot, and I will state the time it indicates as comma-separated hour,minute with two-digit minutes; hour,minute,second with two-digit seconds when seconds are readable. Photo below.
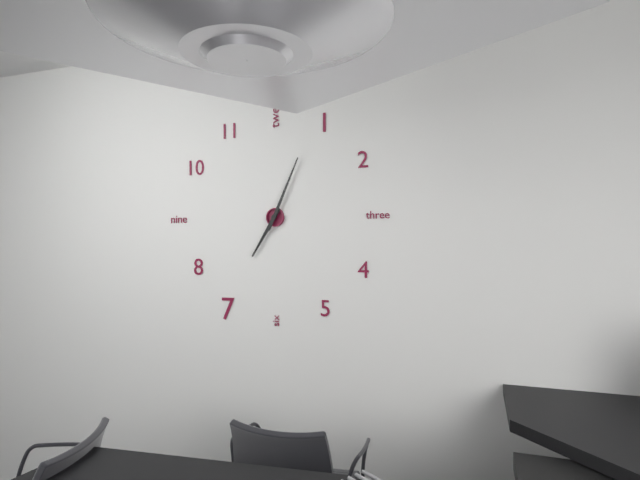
7,04
